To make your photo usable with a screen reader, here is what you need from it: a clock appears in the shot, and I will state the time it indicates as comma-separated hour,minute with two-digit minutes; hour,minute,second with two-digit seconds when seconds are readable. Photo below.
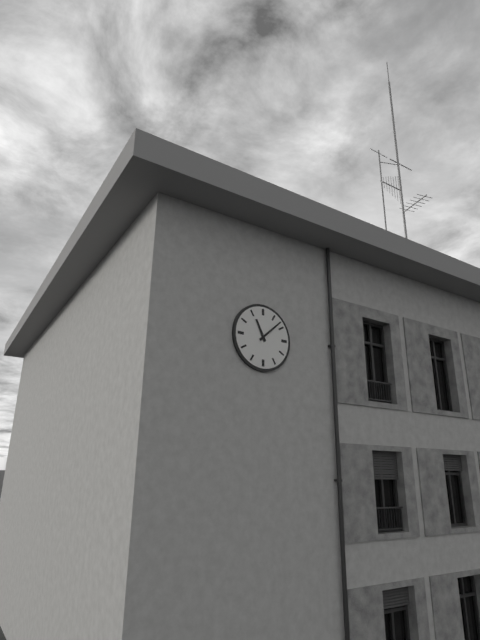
11,08
